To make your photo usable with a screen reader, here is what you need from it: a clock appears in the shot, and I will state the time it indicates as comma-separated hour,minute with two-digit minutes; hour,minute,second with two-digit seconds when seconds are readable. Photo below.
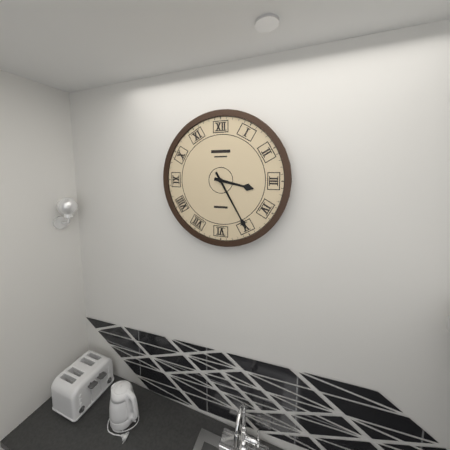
3,25
